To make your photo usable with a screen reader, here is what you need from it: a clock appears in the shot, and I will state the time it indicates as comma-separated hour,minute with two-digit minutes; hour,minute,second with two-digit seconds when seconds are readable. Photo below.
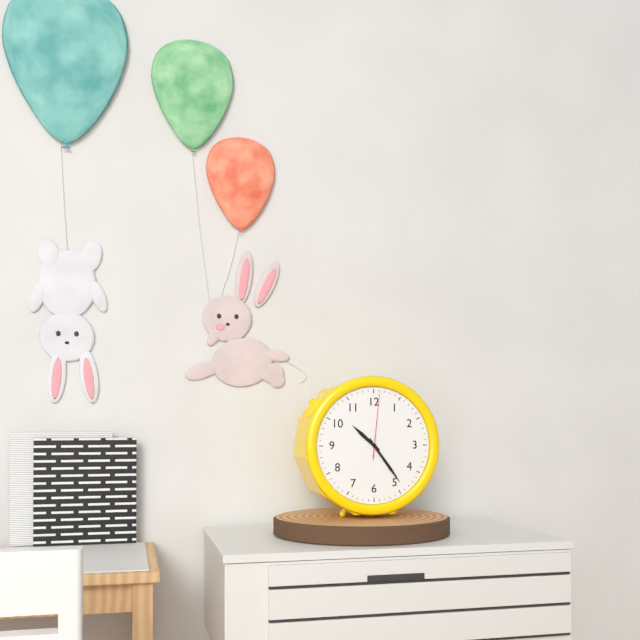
10,24,01
